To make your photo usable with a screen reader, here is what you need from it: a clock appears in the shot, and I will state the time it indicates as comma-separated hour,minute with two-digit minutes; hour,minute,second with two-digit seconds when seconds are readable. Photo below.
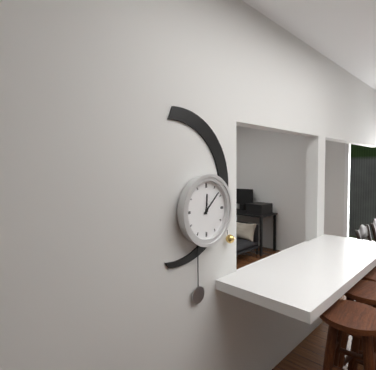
12,08
